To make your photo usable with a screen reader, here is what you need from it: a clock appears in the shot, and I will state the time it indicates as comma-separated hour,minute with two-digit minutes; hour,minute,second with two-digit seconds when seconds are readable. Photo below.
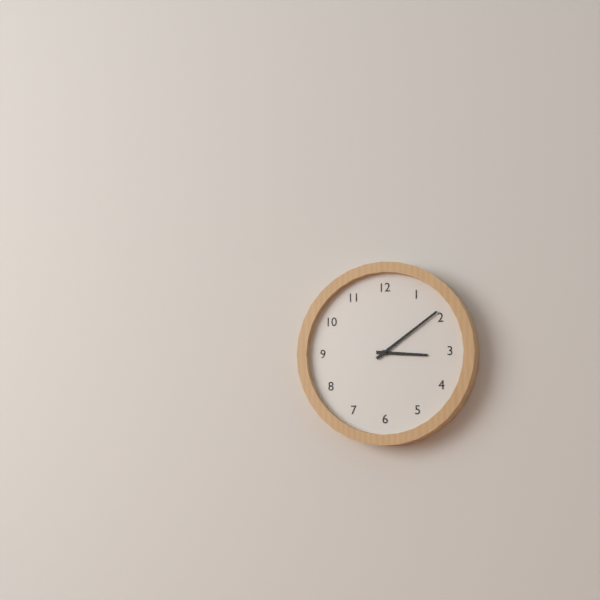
3,09
